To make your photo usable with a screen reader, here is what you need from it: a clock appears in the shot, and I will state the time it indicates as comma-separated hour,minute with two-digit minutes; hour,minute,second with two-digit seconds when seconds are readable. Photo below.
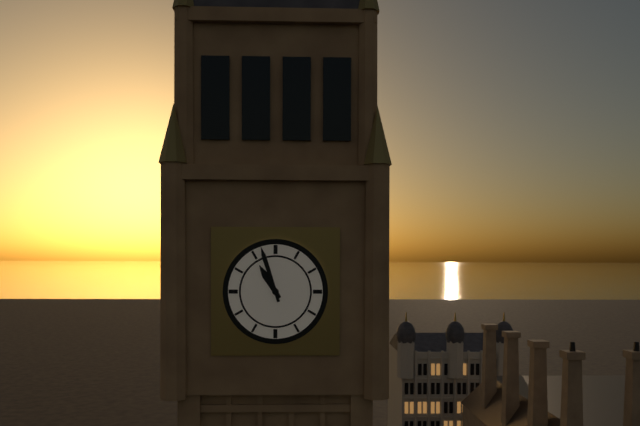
10,57
